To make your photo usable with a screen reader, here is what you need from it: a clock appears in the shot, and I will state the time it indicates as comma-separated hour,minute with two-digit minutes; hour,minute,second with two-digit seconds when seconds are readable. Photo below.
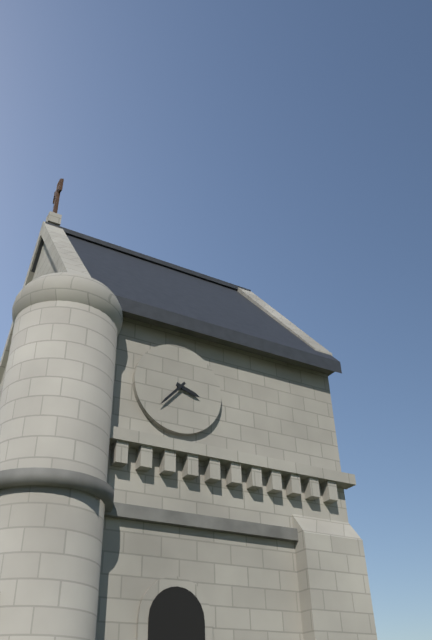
3,37
